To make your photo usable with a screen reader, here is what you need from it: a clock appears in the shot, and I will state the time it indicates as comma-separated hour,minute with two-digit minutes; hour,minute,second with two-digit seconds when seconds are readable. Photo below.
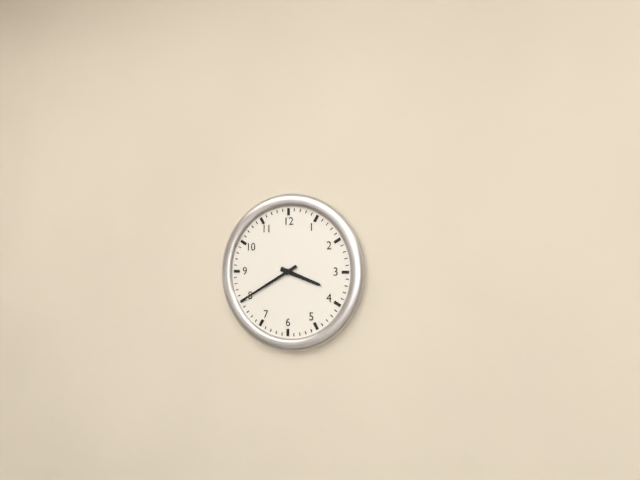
3,40
